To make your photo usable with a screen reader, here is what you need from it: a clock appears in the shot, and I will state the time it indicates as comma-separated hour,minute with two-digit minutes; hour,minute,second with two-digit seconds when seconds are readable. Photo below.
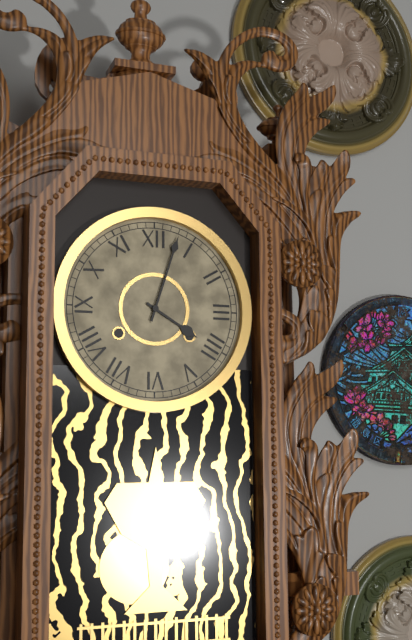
4,03
